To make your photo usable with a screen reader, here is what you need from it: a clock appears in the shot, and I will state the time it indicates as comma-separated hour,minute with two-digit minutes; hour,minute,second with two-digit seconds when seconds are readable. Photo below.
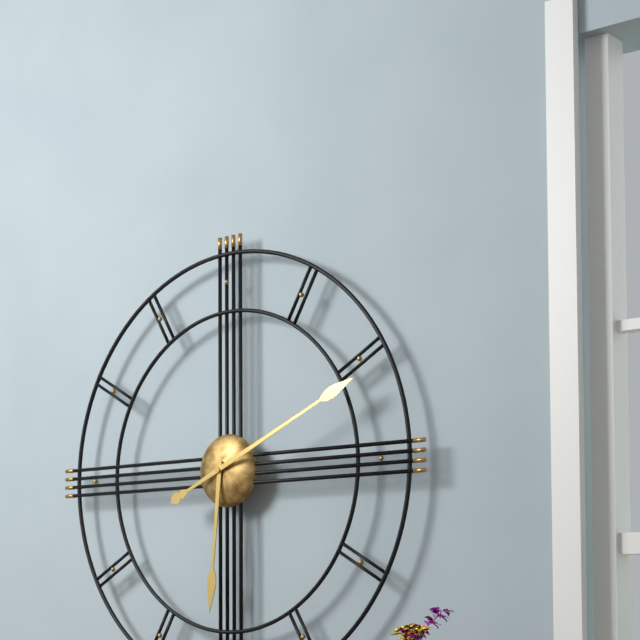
6,11
